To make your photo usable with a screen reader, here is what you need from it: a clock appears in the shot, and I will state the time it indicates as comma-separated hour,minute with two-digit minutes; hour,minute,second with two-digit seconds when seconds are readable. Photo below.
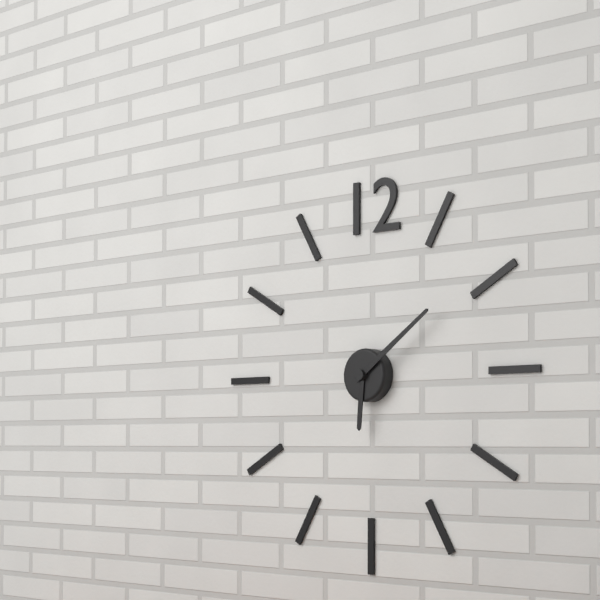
6,09
